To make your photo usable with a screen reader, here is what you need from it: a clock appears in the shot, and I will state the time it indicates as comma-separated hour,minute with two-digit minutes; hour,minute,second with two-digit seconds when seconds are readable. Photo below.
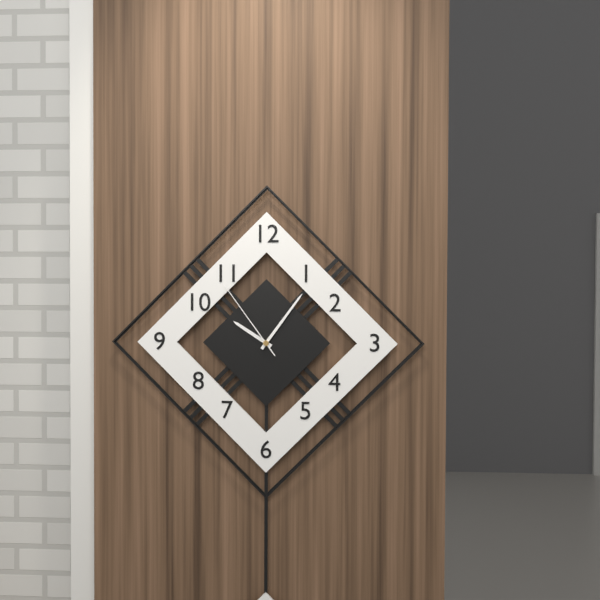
10,06,54
